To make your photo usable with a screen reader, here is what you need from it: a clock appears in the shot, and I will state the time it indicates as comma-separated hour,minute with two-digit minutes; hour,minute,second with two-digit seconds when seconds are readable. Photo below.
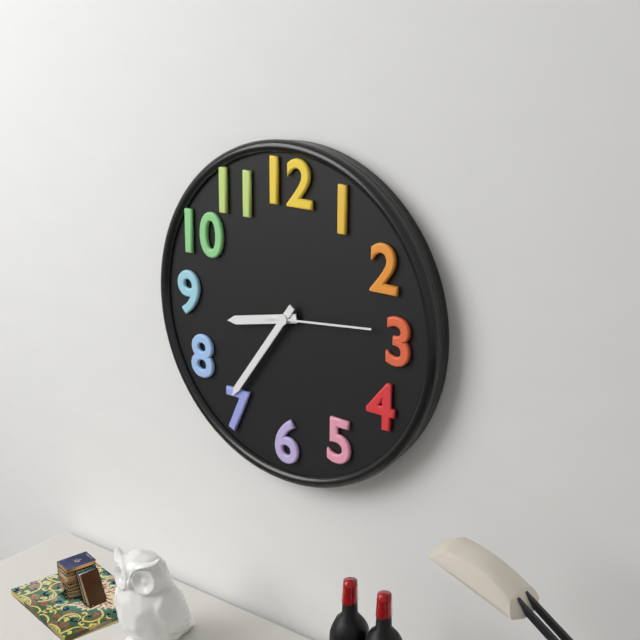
8,36,14
